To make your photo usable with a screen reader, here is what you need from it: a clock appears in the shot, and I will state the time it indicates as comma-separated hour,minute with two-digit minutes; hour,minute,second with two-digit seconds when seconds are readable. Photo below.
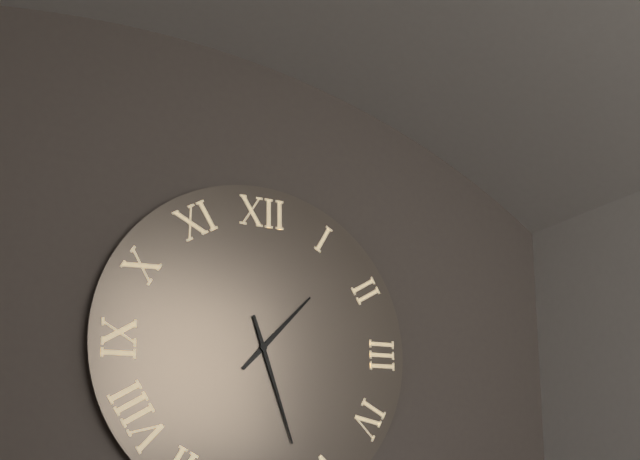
1,27
